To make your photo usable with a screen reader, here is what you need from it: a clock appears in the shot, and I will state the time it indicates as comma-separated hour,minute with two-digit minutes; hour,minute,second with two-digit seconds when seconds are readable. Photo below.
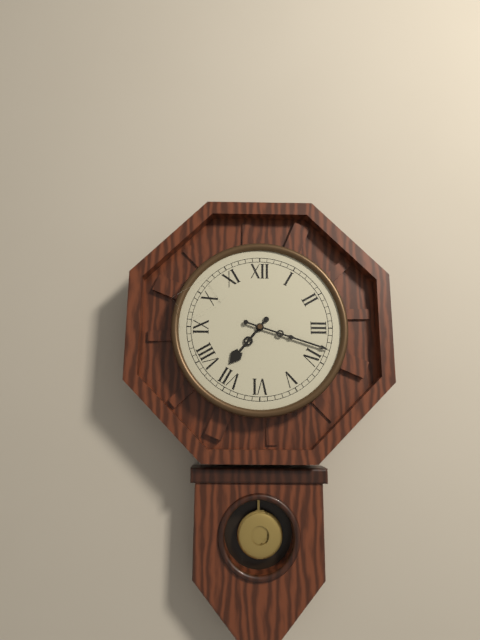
7,18
